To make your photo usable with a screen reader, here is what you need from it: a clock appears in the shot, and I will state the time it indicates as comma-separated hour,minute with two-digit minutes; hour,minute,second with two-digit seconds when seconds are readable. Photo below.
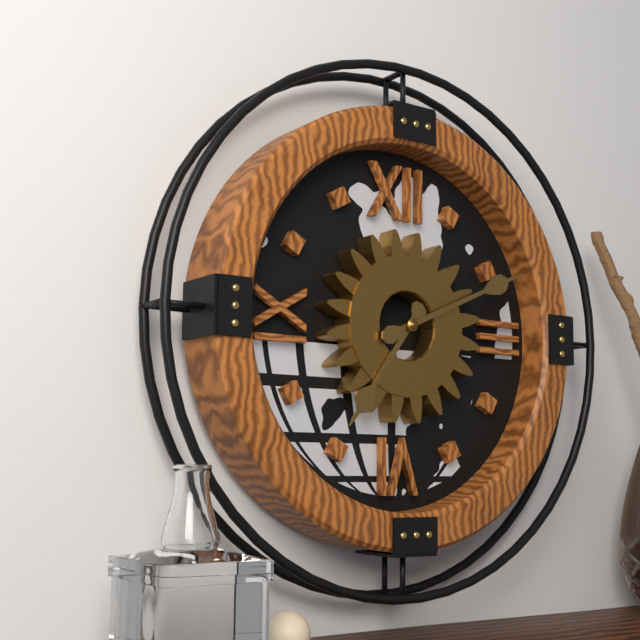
7,11
